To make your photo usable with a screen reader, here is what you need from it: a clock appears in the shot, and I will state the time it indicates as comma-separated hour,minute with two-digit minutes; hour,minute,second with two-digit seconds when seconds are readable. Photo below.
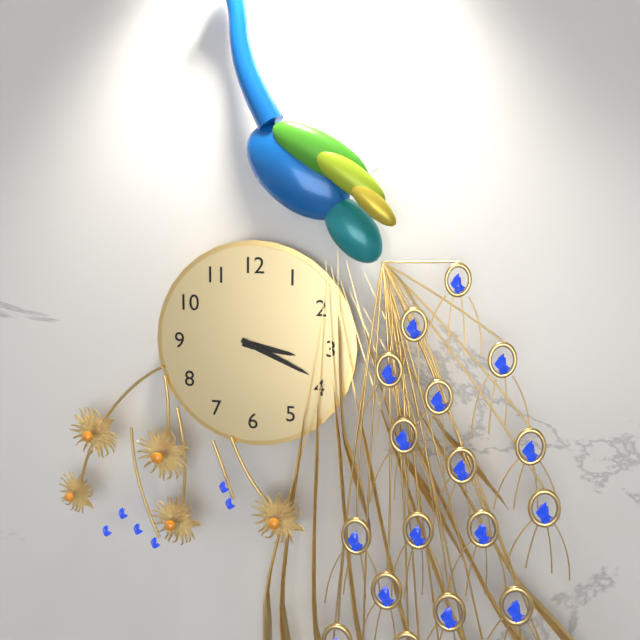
3,19
